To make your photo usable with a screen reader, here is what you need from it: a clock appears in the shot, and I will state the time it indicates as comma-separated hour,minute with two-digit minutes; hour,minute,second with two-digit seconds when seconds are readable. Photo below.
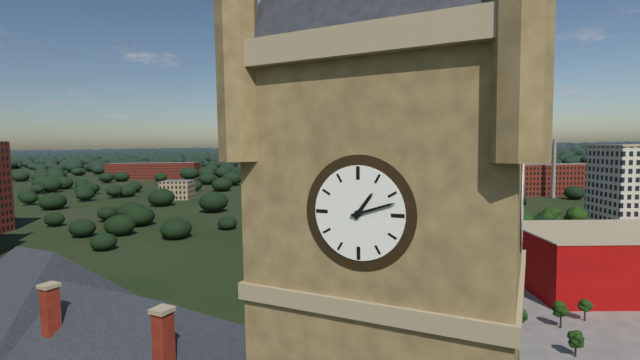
1,12
